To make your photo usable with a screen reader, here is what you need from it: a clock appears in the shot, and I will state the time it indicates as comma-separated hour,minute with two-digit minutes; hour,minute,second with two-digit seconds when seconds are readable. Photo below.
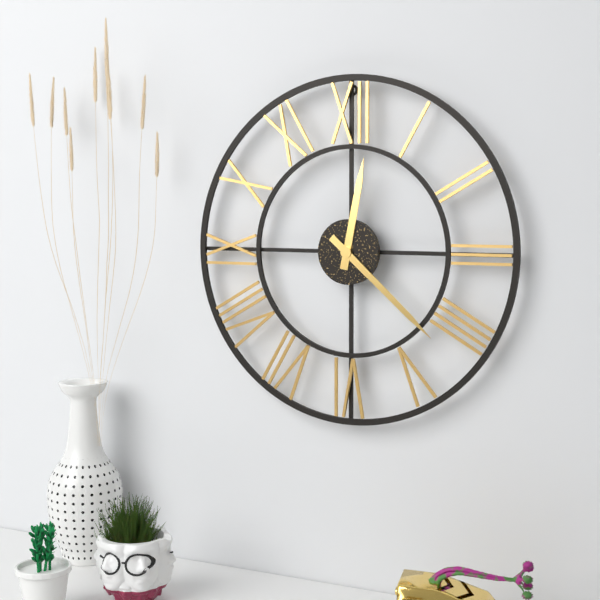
12,22
